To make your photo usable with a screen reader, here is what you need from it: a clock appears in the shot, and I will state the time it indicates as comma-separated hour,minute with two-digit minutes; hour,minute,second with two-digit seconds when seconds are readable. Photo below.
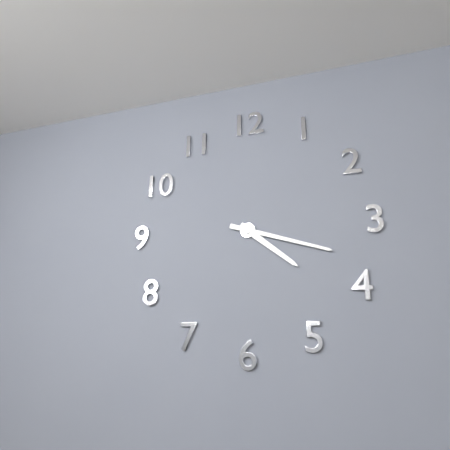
4,18
